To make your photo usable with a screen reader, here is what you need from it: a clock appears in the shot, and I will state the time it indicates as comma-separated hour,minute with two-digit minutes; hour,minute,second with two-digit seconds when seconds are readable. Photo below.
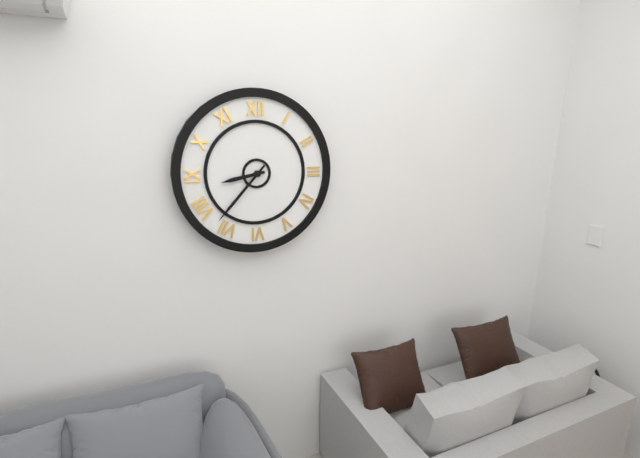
8,37
